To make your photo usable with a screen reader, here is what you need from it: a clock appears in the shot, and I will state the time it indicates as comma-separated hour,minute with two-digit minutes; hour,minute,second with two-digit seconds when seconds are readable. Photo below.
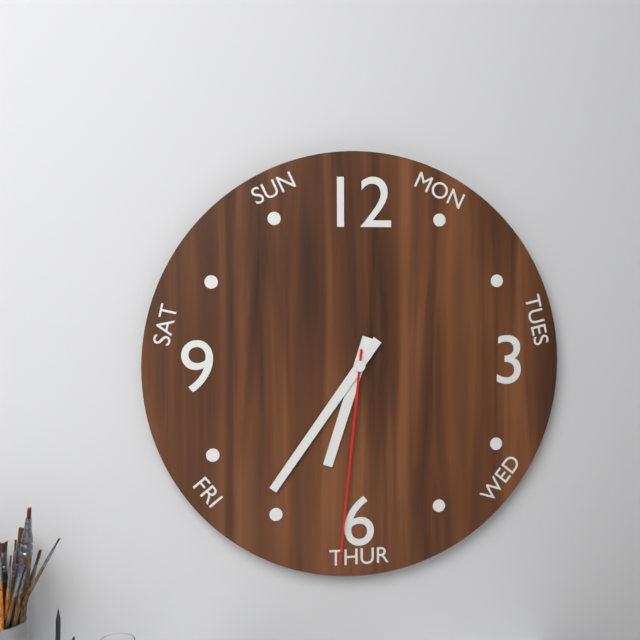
6,36,31
